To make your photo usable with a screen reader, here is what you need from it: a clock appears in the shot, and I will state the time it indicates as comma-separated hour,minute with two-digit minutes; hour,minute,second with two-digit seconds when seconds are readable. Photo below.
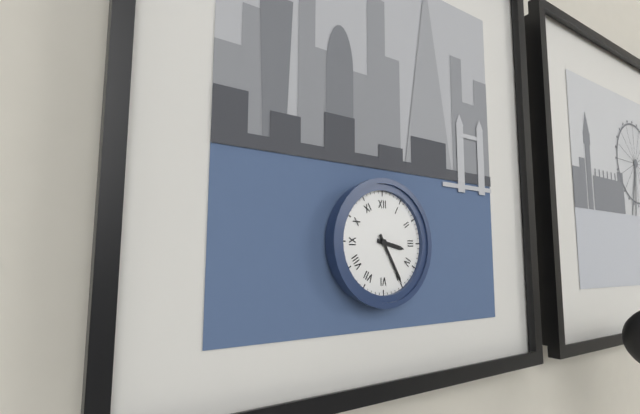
3,25
